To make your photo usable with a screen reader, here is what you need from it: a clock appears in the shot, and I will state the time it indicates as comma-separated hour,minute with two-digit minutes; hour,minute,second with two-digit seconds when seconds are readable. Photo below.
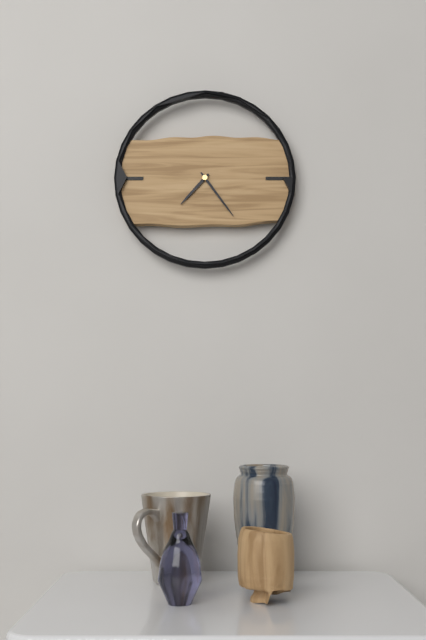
7,24
